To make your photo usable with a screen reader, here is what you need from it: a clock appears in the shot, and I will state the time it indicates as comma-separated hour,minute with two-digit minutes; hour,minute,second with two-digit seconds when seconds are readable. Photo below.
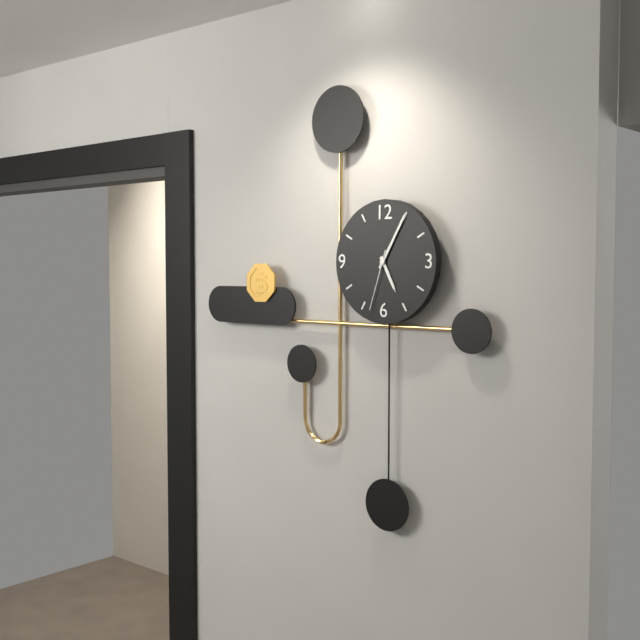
5,05,33
